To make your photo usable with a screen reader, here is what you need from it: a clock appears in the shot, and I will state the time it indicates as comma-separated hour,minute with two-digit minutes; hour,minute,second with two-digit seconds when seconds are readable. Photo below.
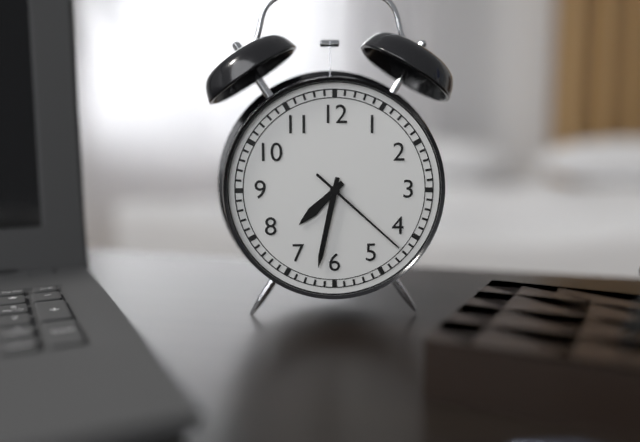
7,32,22
